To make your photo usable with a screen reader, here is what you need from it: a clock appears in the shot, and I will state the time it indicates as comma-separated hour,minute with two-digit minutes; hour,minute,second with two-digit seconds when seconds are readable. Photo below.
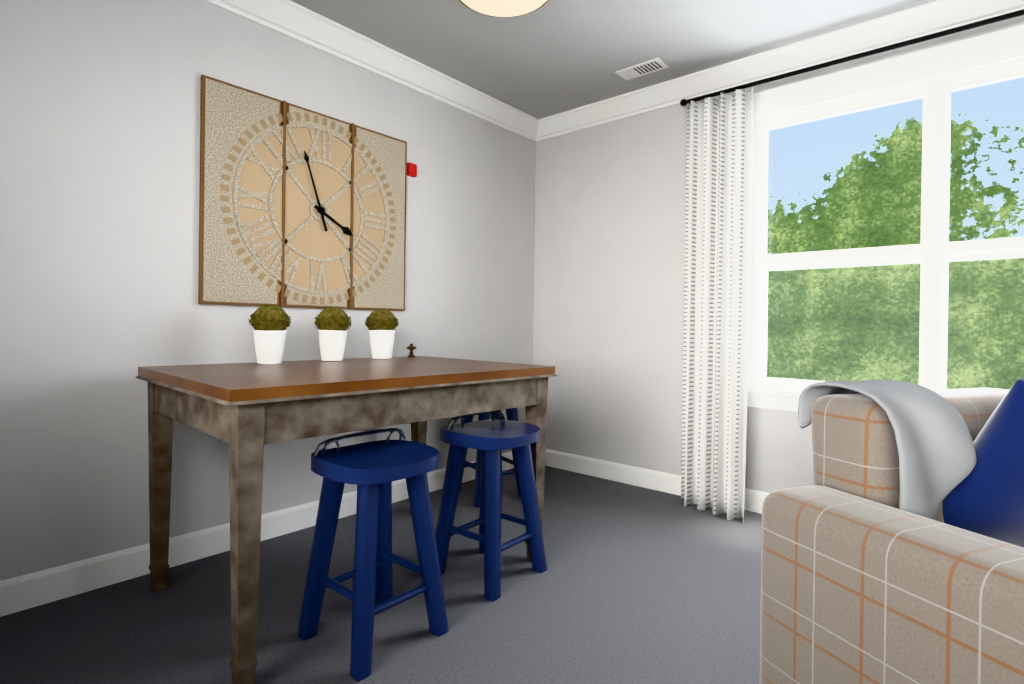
3,57
